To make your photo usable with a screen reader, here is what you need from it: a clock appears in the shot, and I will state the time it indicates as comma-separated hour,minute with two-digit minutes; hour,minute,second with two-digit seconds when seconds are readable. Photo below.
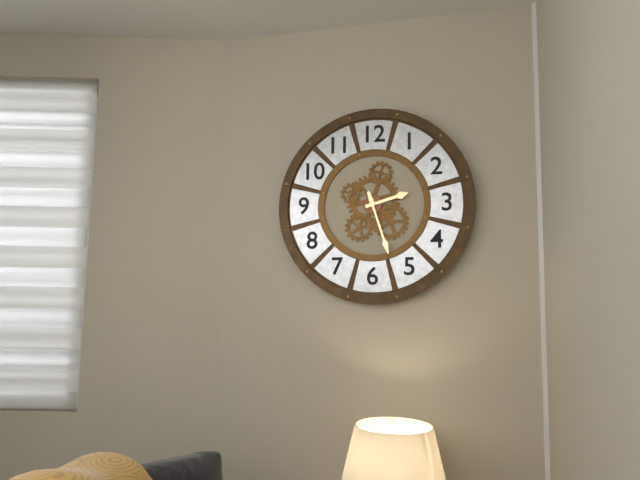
2,27
